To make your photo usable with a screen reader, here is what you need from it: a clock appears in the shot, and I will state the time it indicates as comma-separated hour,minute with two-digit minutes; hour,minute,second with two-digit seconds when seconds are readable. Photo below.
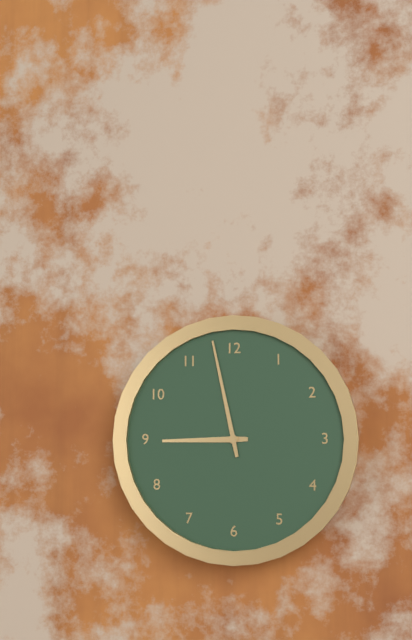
8,58
